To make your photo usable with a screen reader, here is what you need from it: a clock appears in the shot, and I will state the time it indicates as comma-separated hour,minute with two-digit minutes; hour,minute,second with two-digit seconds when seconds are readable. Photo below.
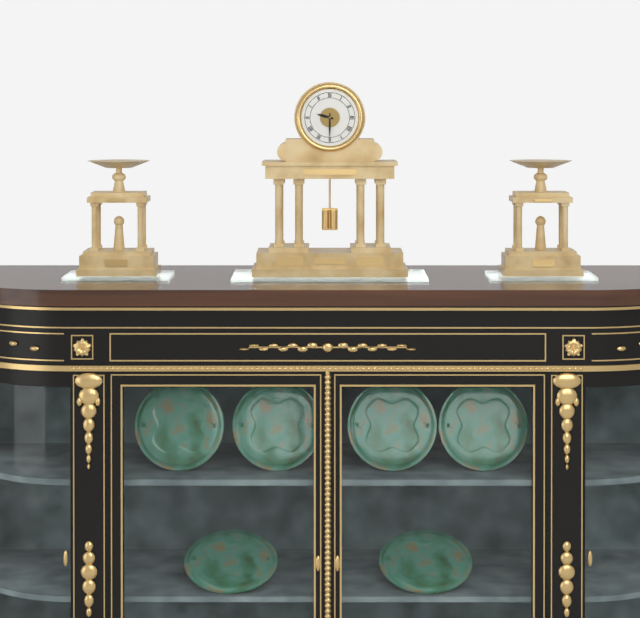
9,30
